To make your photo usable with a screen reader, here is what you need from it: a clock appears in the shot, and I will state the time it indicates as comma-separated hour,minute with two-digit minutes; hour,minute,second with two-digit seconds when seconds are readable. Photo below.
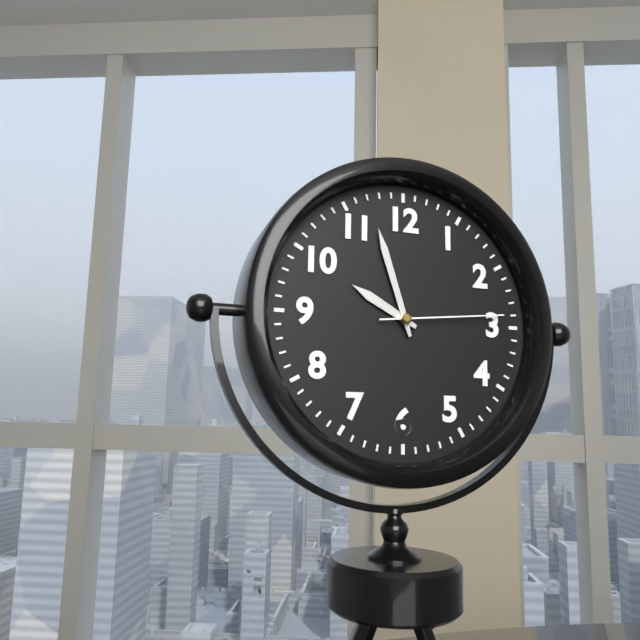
9,57,14
